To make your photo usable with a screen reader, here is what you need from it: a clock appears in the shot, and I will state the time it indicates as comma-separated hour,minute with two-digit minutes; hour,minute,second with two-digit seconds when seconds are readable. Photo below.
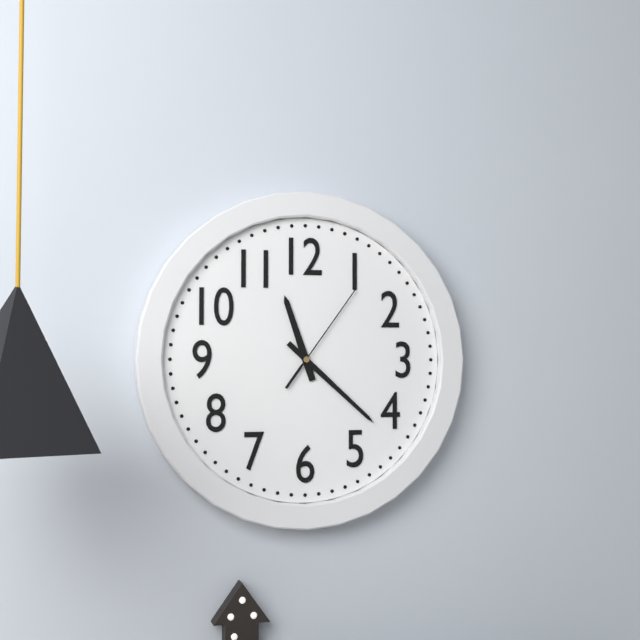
11,22,06
